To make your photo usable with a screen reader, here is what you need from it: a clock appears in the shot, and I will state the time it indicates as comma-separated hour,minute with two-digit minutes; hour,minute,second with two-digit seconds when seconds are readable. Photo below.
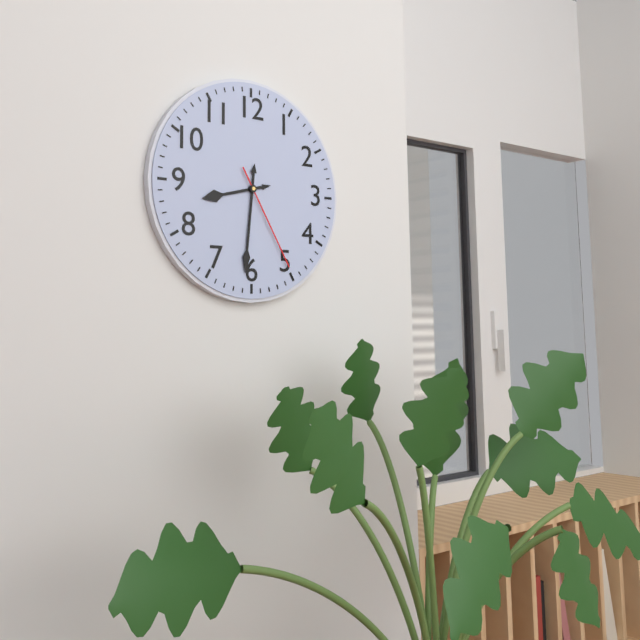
8,31,25
